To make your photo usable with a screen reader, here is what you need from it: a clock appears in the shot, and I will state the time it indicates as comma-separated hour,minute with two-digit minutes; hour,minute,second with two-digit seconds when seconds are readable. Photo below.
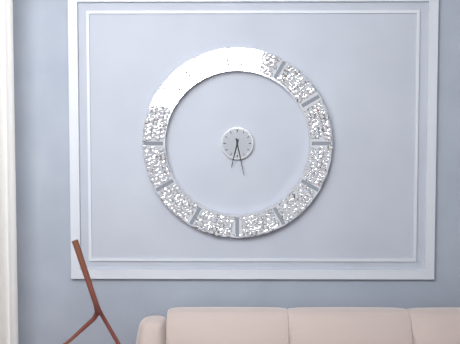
6,28
